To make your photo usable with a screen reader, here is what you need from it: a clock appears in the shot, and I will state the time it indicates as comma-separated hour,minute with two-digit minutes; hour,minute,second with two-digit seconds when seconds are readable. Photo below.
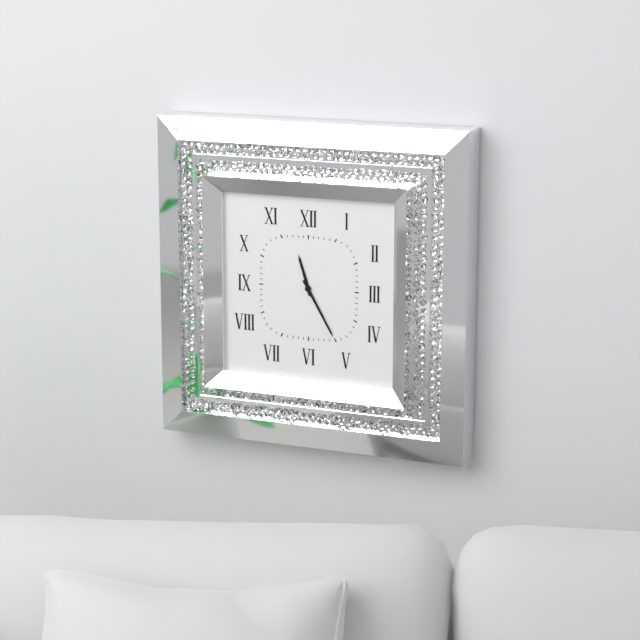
11,25
